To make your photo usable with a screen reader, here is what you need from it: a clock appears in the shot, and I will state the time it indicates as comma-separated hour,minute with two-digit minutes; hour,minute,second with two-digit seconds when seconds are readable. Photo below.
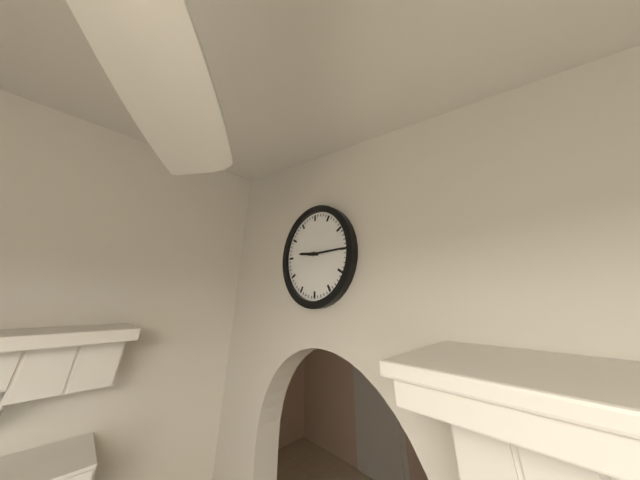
9,15
